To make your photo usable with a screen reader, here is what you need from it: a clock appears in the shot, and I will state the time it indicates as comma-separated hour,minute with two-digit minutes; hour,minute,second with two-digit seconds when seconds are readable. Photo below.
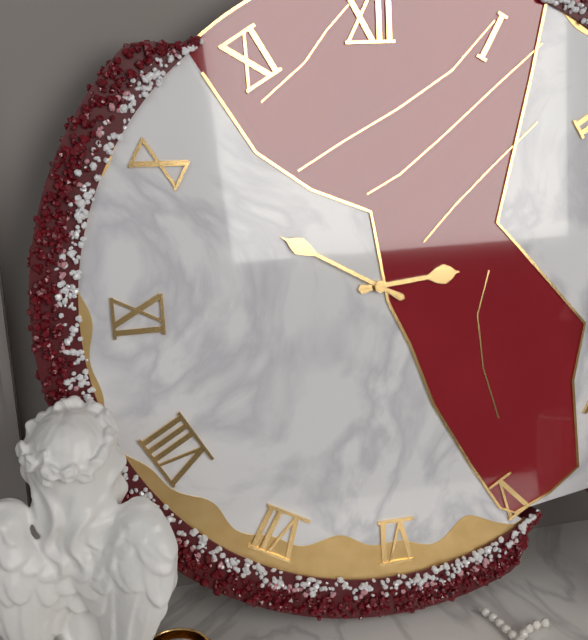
2,50
